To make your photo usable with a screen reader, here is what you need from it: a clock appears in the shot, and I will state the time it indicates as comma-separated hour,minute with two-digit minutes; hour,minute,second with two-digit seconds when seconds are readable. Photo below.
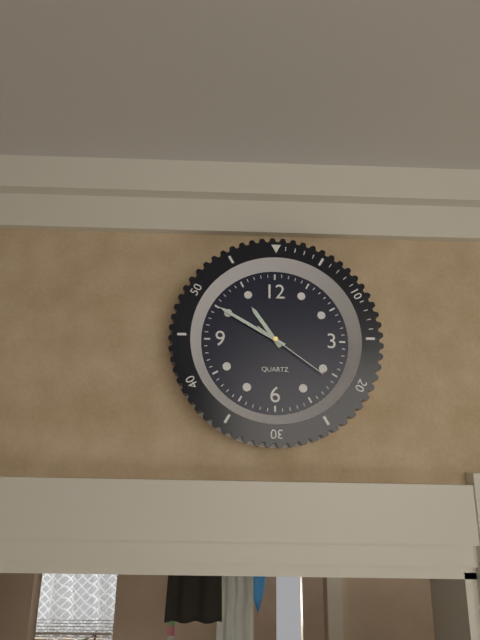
10,50,21
